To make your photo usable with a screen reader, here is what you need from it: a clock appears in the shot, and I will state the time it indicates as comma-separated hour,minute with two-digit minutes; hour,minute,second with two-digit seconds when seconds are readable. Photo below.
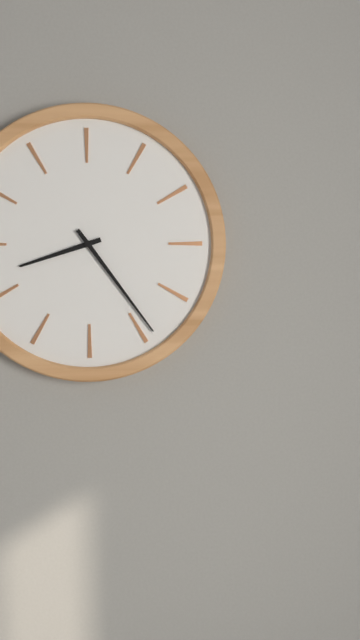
8,24
